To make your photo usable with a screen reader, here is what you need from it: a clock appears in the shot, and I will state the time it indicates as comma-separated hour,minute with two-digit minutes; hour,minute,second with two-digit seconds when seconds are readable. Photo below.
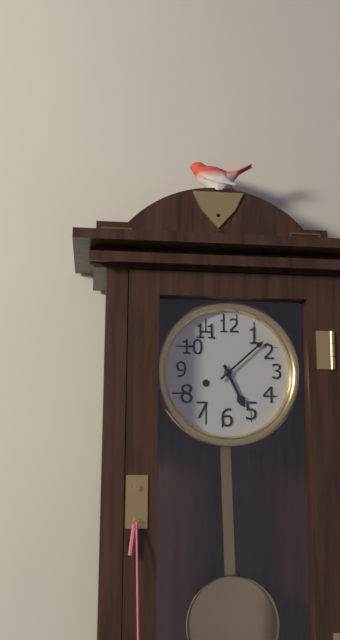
5,08
